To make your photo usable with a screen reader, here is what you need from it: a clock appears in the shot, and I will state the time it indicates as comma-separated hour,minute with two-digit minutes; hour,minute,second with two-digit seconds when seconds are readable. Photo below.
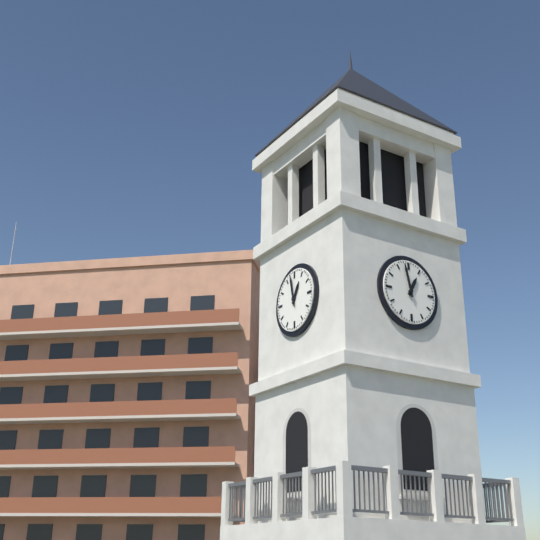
12,58
